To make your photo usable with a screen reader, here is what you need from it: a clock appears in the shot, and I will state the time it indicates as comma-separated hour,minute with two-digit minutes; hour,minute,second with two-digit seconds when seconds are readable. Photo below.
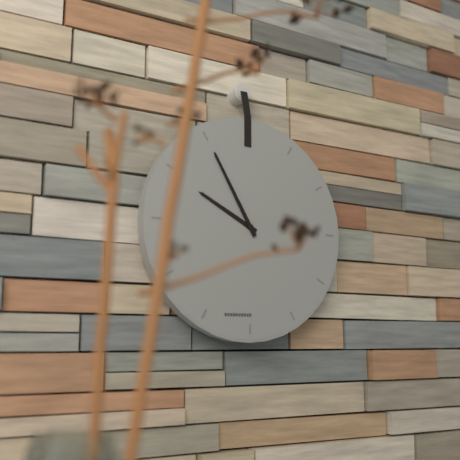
9,55
